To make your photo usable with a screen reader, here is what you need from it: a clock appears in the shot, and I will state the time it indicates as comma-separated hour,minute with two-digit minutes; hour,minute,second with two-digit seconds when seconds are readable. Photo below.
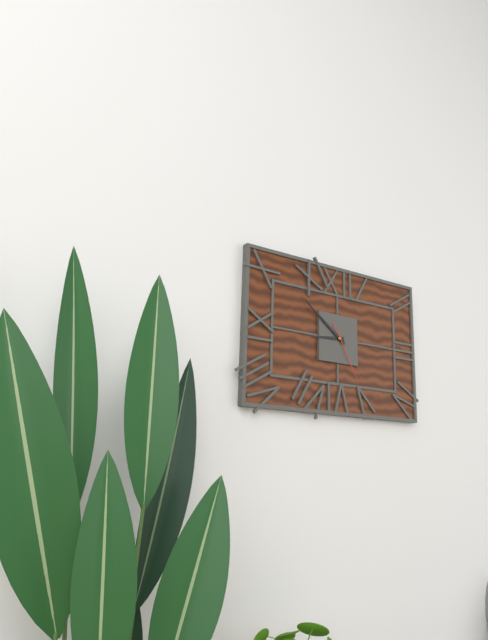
8,51,25
